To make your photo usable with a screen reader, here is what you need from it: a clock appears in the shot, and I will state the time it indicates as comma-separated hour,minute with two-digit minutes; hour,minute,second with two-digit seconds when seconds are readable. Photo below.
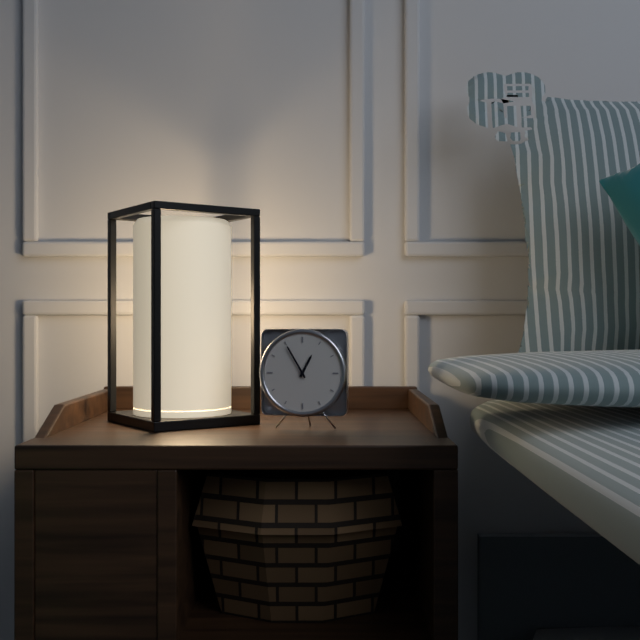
12,55
